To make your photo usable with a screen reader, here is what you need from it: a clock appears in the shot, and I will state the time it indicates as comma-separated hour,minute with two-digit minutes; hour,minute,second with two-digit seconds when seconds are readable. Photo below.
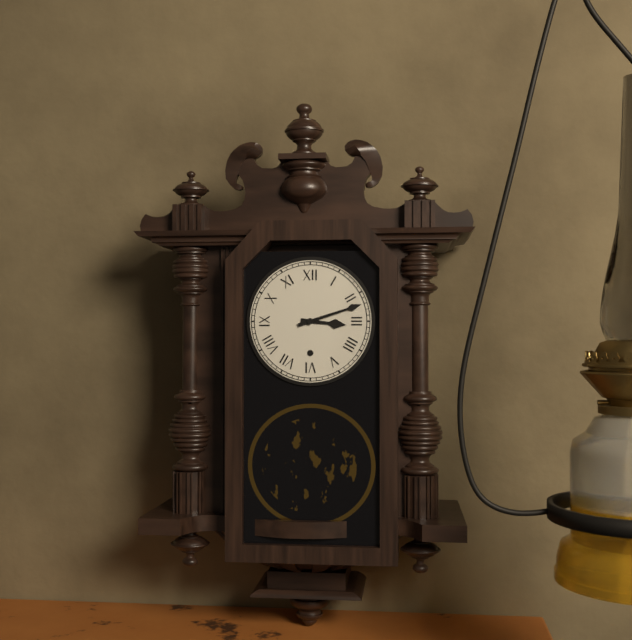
3,12
